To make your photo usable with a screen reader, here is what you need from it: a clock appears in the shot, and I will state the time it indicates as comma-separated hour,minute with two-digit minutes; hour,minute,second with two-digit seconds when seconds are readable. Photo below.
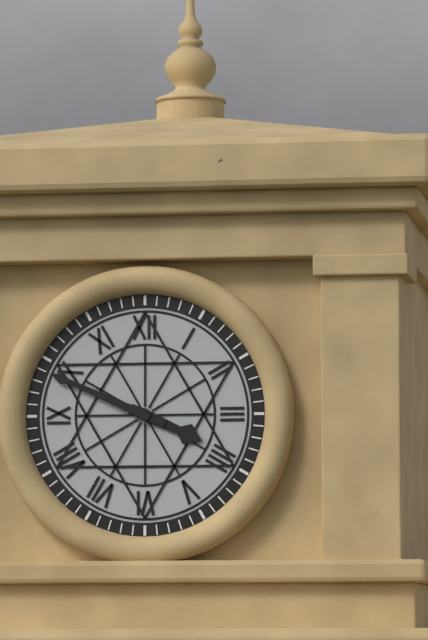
3,49
